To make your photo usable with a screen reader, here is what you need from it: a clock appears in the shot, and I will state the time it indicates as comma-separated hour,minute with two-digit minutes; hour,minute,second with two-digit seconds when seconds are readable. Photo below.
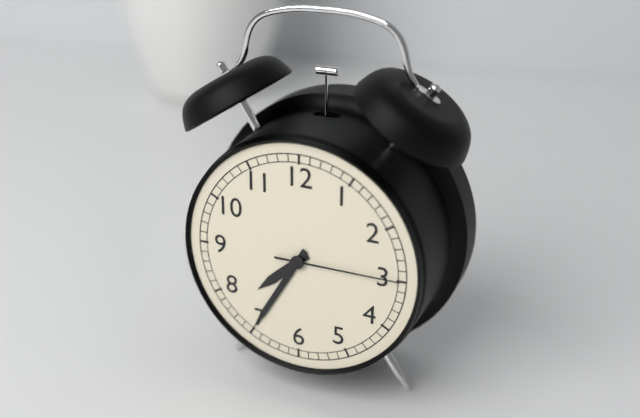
7,35,15
